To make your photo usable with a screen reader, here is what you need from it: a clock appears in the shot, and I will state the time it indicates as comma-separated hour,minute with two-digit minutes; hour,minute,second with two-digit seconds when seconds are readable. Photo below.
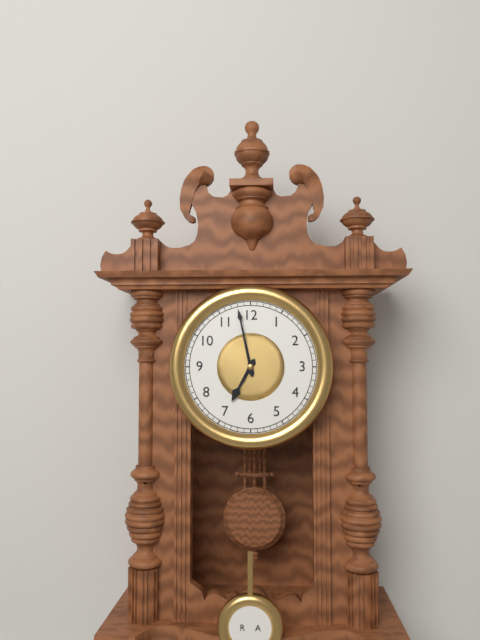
6,58
